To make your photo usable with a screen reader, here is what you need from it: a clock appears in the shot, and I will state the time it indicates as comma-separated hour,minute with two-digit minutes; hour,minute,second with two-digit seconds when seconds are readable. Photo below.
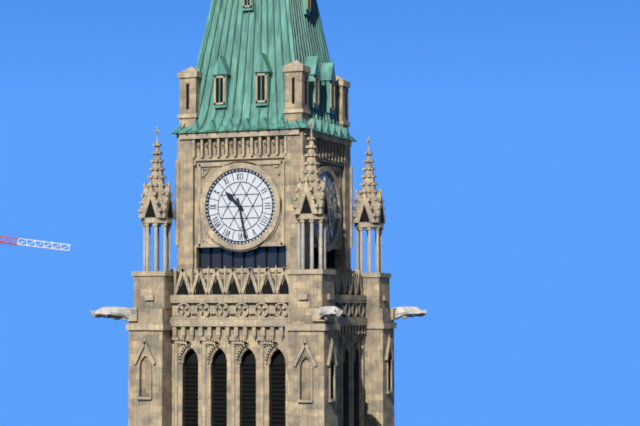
10,28
